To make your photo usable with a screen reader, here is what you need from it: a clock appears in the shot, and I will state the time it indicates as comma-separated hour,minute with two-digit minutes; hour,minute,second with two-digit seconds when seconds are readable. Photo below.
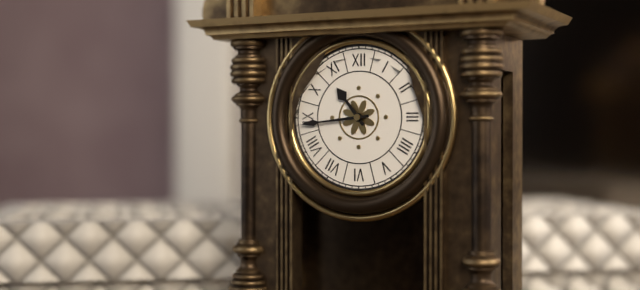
10,44
